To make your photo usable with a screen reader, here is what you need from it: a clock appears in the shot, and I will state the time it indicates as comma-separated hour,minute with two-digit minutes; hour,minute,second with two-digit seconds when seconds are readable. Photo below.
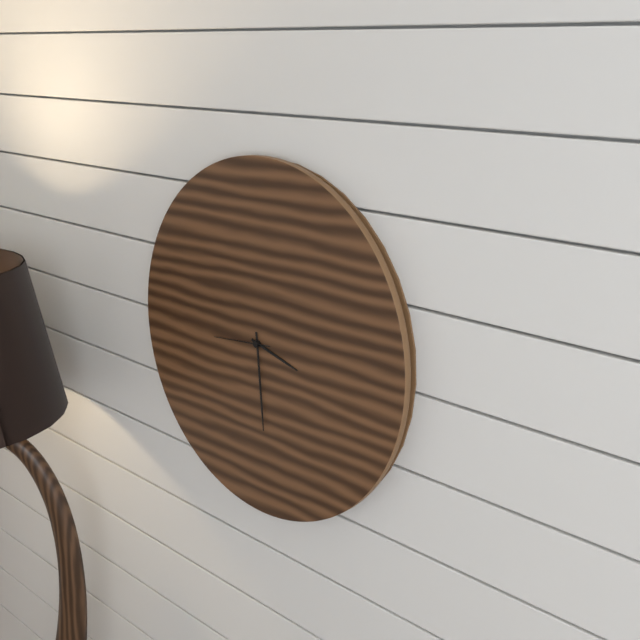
3,29,44
